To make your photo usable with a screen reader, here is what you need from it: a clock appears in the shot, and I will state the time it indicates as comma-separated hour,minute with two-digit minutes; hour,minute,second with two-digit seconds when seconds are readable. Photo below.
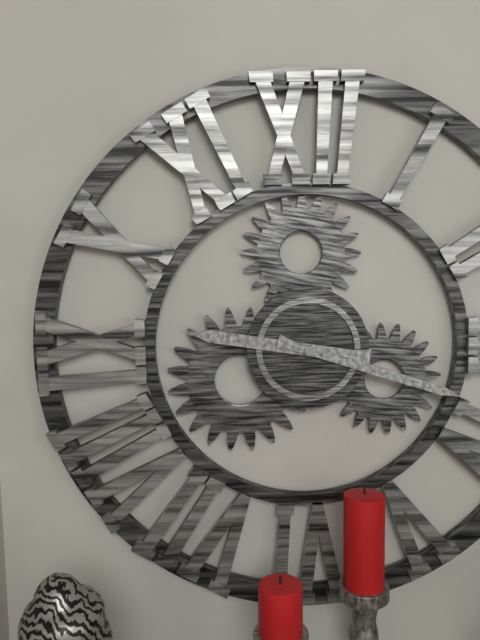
9,18
